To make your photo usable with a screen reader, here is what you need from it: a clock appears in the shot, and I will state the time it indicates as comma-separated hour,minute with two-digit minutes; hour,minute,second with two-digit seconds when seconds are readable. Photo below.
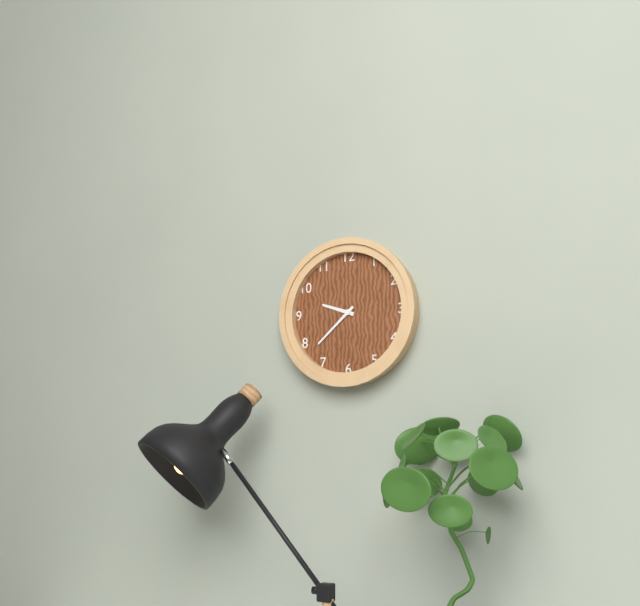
9,38
